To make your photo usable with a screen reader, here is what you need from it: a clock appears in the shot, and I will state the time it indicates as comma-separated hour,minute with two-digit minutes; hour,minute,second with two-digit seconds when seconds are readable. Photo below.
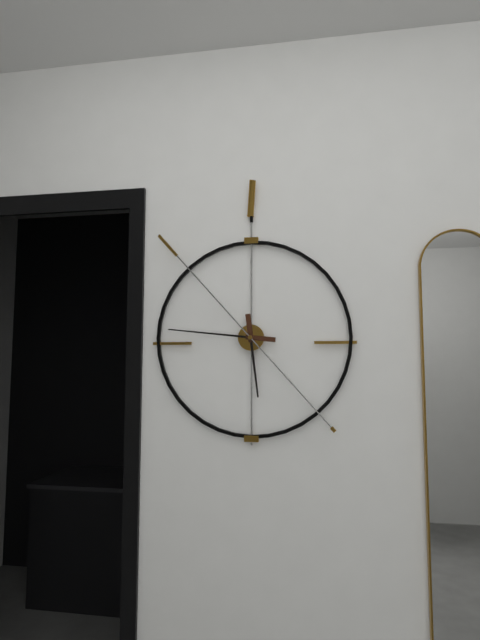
5,46,53
